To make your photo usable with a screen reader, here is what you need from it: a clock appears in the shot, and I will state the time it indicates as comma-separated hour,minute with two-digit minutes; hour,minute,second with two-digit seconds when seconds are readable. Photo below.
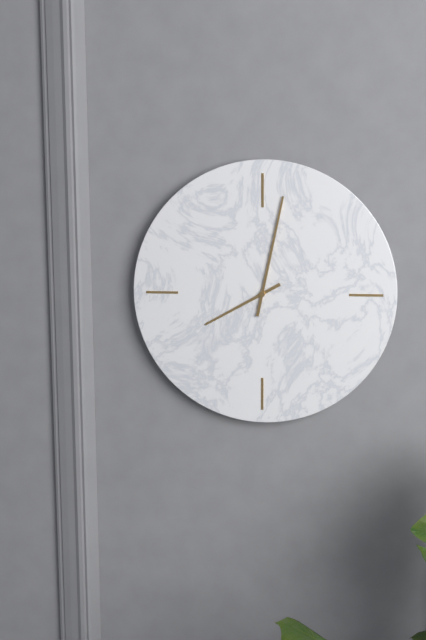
8,02
